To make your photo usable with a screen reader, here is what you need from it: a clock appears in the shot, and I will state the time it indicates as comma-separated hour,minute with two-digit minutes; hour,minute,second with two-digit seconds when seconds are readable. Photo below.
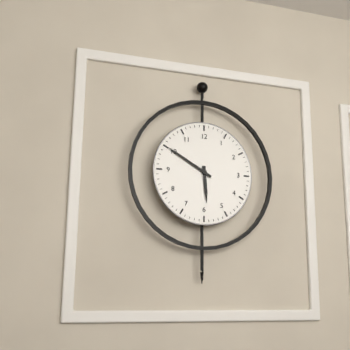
5,50
